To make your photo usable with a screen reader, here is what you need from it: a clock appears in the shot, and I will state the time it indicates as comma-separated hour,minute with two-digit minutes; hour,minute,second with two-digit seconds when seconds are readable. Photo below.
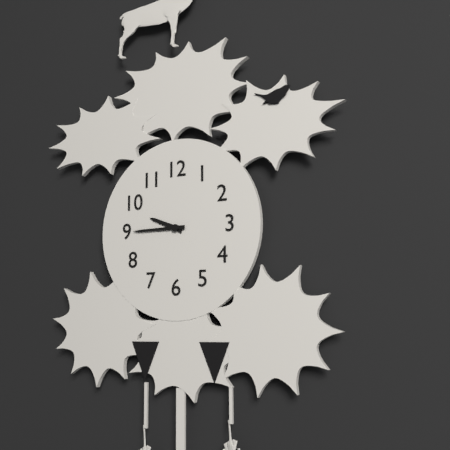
9,45
